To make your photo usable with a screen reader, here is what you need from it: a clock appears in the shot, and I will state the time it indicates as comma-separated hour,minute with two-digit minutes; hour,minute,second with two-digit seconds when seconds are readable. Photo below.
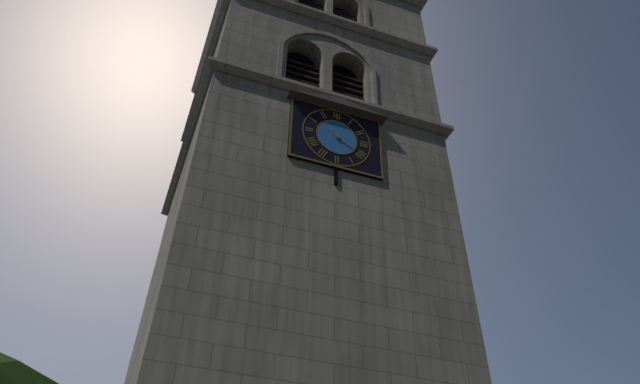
10,20
